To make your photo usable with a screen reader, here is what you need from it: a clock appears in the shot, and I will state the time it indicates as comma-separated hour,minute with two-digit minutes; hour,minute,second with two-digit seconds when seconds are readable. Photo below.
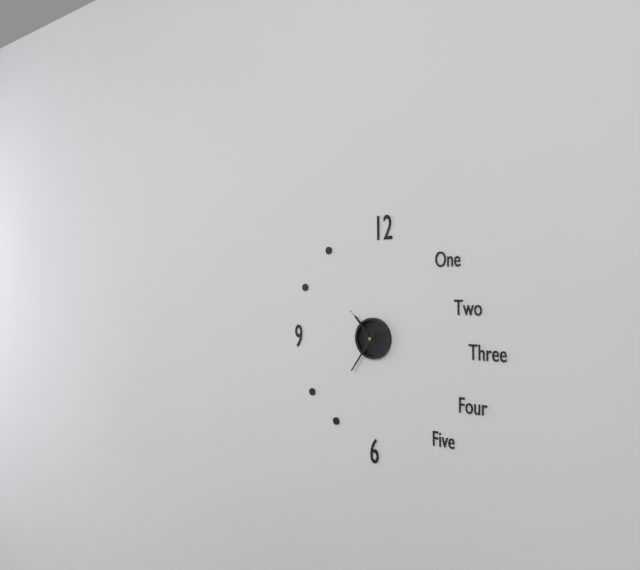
10,36
